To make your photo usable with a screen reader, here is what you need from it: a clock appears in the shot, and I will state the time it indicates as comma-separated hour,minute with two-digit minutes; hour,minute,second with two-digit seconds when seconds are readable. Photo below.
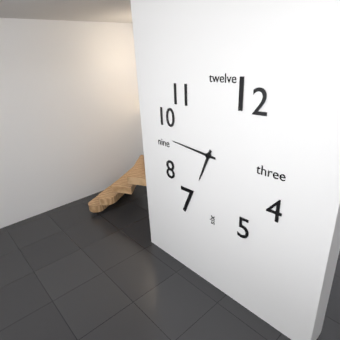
6,46
